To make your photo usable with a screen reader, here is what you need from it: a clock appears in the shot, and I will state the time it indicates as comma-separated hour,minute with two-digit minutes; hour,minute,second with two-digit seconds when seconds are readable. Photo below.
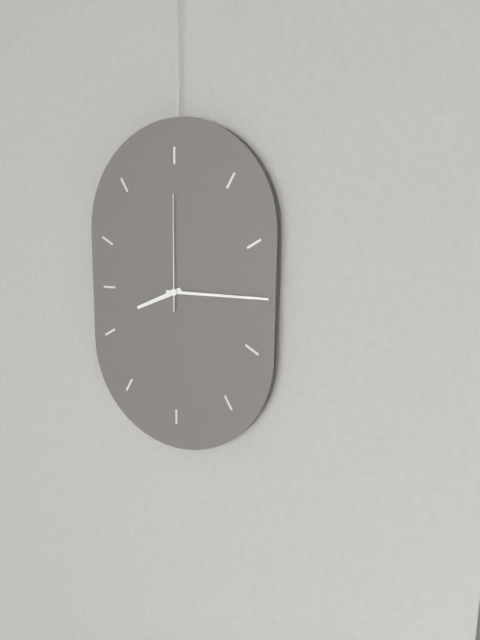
8,15,00
